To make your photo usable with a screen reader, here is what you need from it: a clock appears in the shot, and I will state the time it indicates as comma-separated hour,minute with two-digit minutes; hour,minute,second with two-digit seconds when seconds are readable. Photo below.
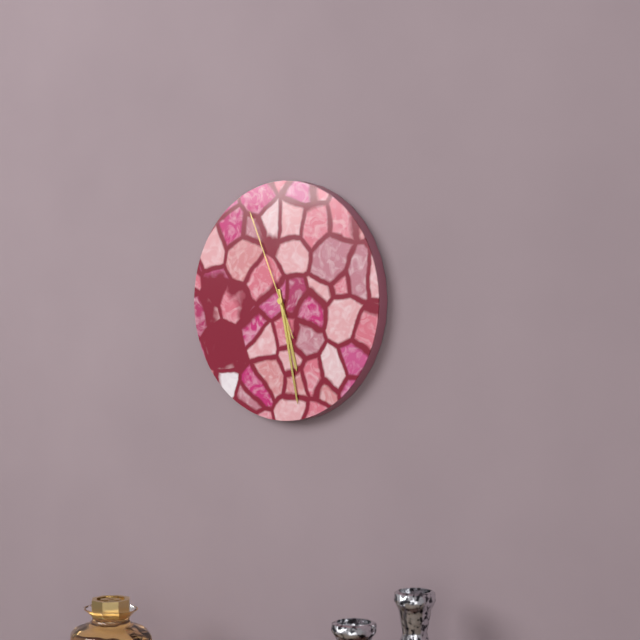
5,28,56
